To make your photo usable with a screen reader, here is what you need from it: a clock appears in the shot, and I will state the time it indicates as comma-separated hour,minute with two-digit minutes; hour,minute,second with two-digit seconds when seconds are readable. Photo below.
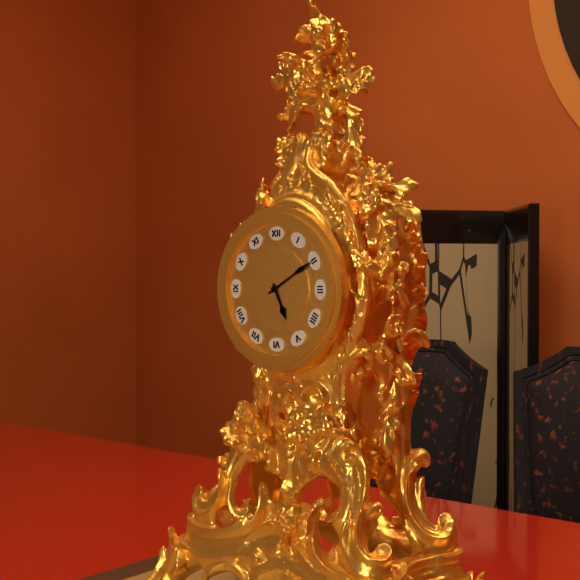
5,10
